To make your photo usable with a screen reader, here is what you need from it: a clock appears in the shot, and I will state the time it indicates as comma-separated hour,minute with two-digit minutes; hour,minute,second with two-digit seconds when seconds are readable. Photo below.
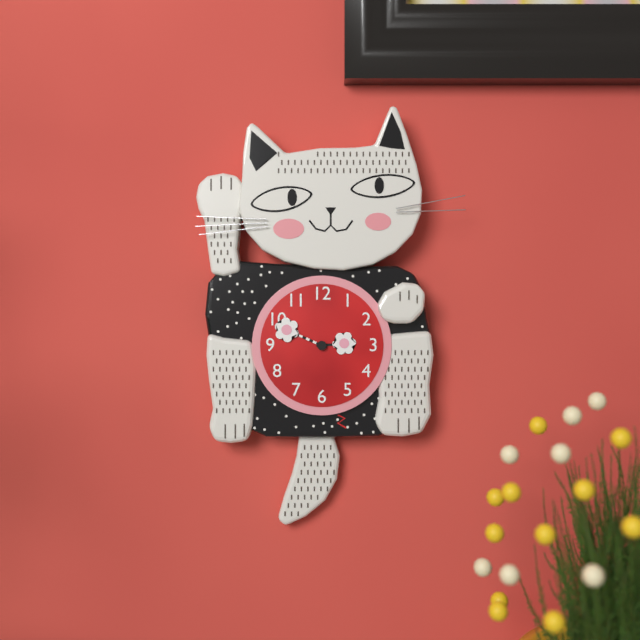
2,49
